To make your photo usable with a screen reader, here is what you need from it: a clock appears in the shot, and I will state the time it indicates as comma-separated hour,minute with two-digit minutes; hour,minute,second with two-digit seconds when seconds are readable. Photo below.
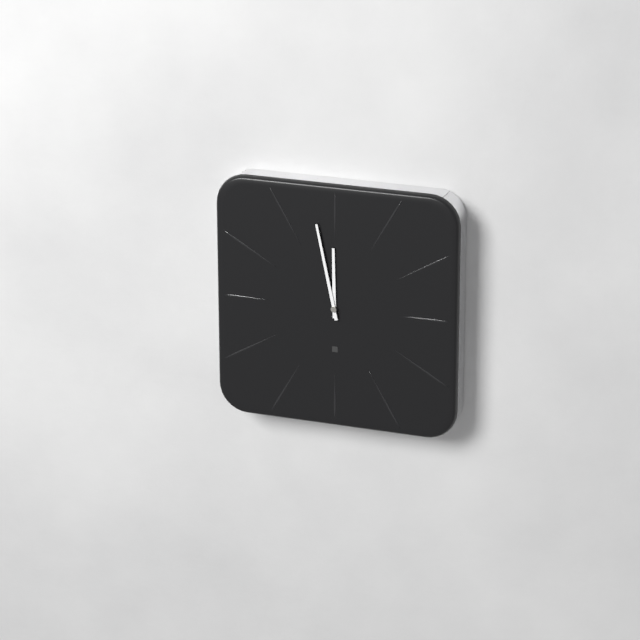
11,58
